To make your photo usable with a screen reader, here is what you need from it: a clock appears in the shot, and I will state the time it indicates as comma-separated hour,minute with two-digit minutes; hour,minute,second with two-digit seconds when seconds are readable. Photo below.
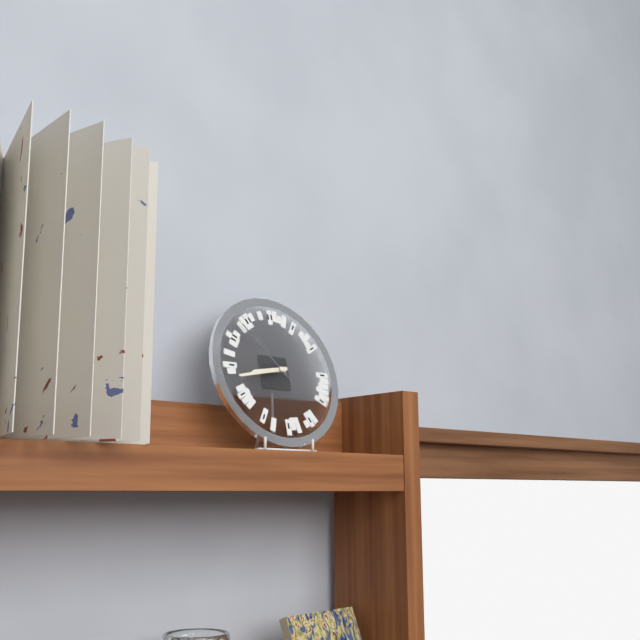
8,43,53
